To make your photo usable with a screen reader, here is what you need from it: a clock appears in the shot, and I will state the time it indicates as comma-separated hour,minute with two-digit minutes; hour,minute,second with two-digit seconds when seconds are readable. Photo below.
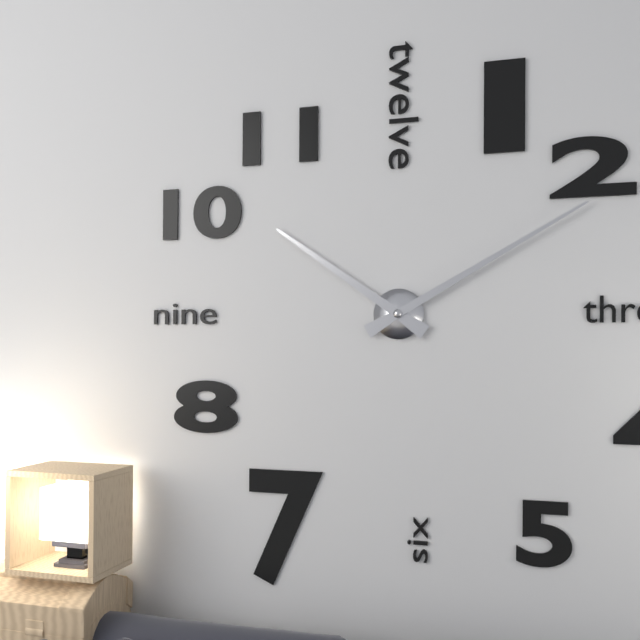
10,10
